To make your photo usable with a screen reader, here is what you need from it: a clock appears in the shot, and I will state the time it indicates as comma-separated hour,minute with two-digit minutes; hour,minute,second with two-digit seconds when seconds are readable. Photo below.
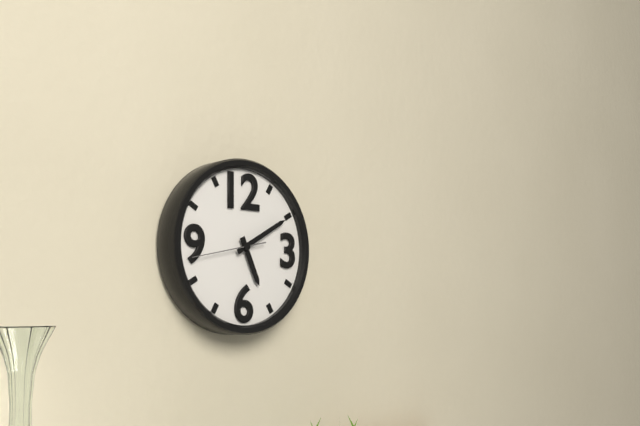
5,10,43
